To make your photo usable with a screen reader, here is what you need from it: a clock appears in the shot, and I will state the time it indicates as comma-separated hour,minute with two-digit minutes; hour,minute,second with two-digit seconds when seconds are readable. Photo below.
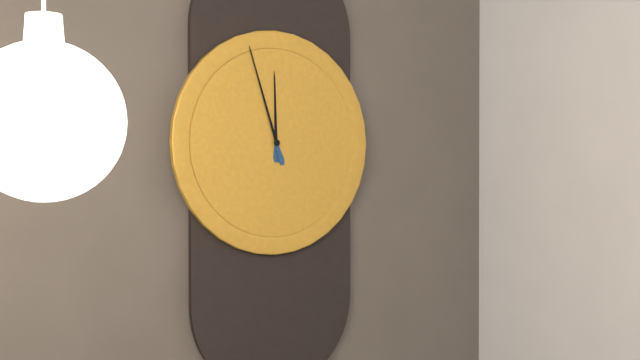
11,57
